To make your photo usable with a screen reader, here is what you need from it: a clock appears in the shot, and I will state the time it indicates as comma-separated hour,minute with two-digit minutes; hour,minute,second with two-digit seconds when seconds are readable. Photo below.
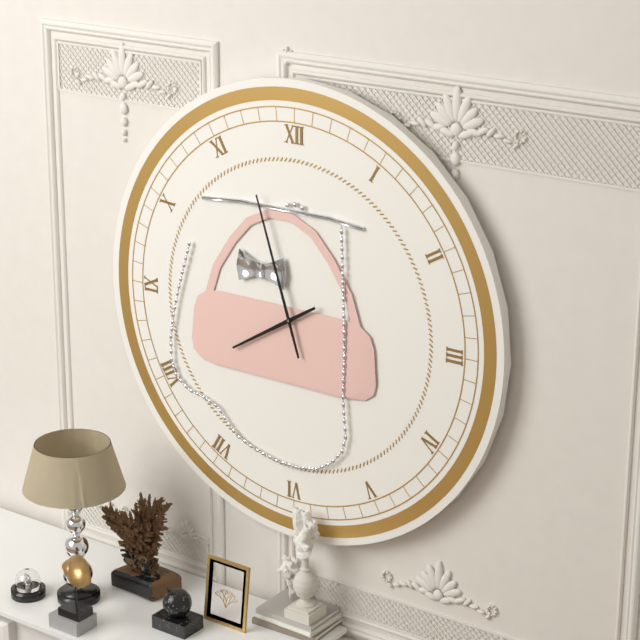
7,57
